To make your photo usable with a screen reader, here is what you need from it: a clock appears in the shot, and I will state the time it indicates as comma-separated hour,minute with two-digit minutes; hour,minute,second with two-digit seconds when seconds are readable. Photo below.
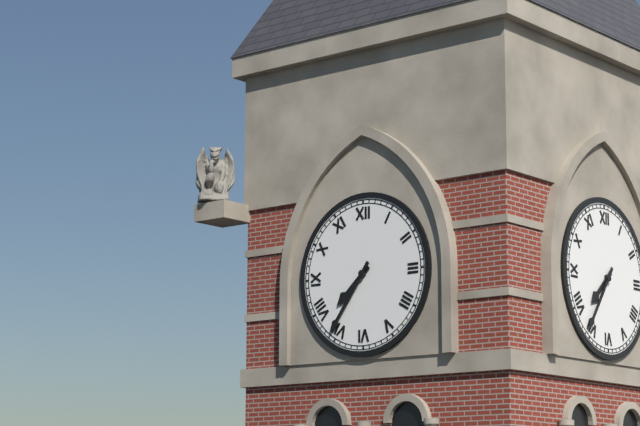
7,36
